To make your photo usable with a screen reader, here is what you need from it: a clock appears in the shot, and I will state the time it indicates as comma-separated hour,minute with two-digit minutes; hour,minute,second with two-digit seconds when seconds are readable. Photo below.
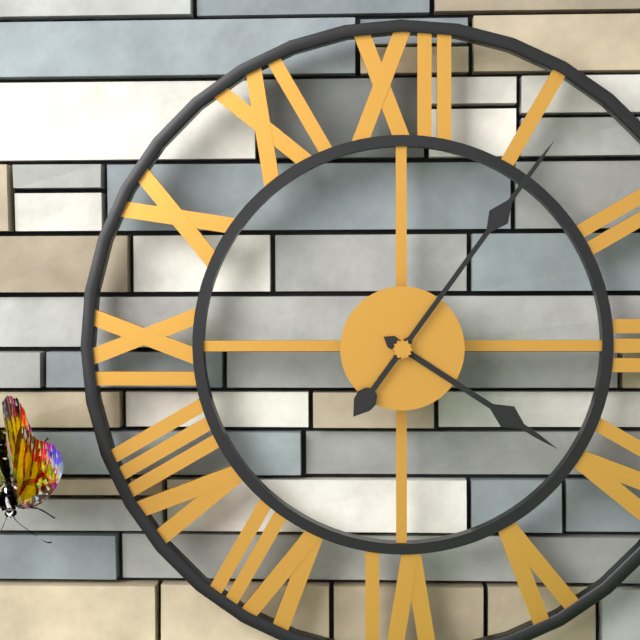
4,06
